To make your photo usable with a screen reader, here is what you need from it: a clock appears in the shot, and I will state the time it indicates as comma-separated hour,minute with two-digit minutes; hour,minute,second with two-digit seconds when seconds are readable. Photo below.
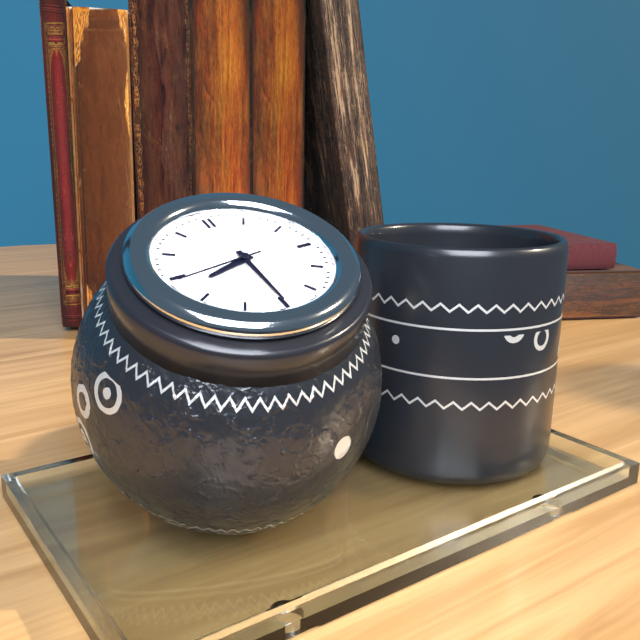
8,30,44
